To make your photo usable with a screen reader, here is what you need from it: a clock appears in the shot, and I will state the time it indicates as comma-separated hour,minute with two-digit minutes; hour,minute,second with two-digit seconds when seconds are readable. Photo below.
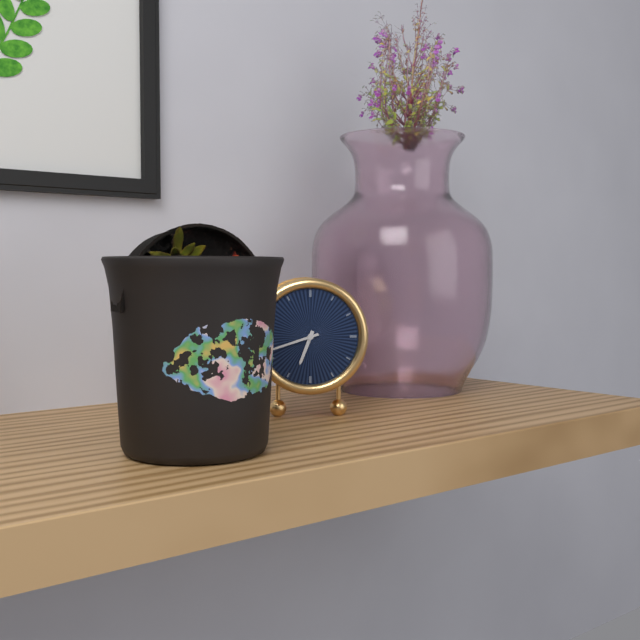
6,42
